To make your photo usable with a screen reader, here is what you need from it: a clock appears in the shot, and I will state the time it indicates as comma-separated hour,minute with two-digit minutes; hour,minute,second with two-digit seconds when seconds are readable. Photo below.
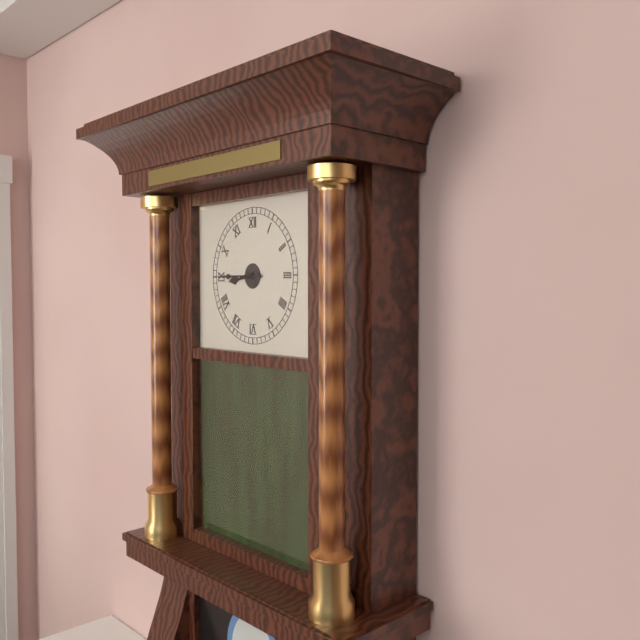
8,45
